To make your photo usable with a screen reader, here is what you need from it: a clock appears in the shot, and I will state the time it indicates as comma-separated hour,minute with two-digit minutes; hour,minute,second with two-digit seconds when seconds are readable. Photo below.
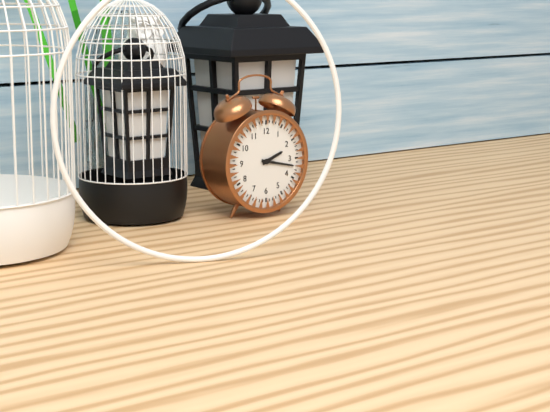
2,17
